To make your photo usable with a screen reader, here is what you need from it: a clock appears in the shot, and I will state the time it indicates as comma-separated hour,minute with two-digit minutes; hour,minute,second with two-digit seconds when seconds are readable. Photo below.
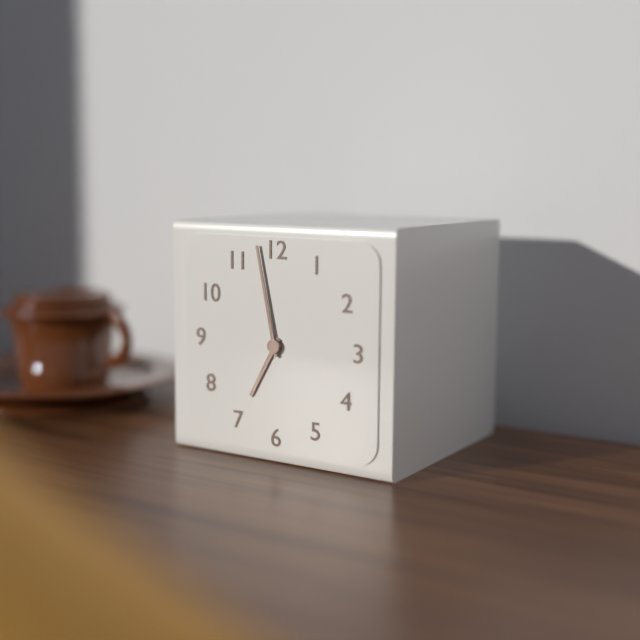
6,58
